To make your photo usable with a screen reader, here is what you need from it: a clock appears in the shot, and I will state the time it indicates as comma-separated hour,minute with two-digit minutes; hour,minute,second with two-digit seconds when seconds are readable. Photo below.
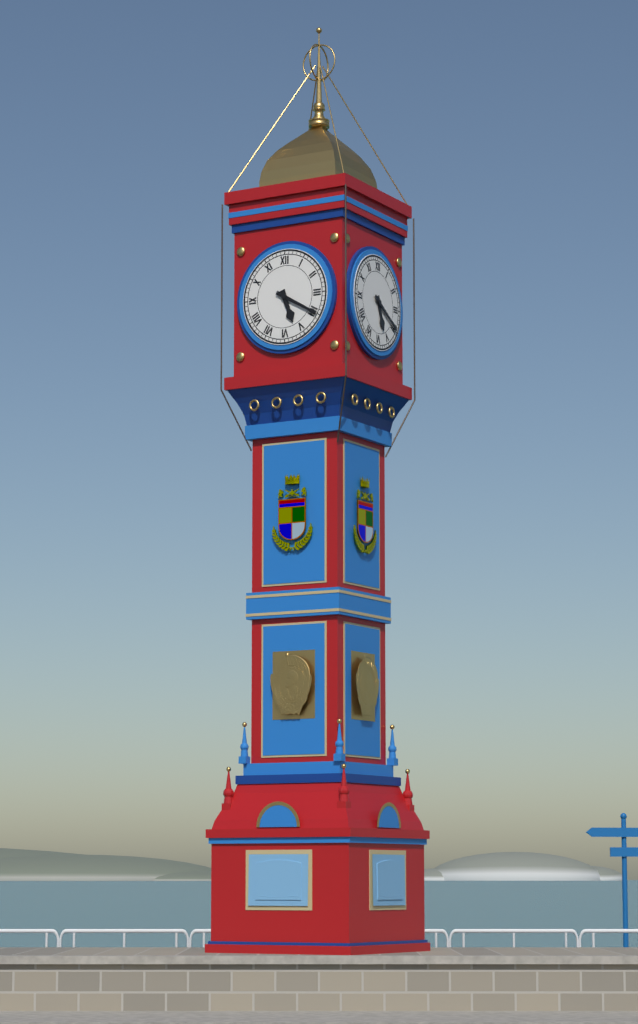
5,20
